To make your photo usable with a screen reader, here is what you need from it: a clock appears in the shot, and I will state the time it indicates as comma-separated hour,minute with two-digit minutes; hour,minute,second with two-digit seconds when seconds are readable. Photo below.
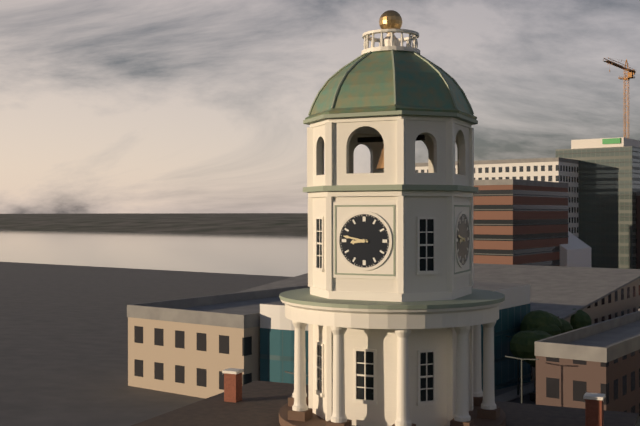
8,47
